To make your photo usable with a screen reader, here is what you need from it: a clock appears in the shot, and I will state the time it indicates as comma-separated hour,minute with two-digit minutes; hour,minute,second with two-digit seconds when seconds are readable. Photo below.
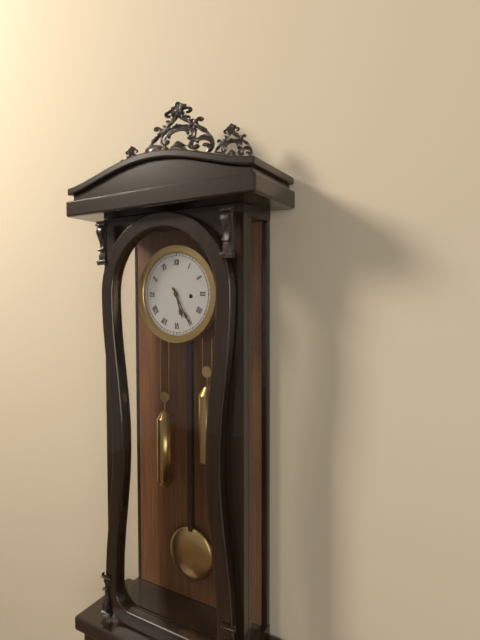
5,25
